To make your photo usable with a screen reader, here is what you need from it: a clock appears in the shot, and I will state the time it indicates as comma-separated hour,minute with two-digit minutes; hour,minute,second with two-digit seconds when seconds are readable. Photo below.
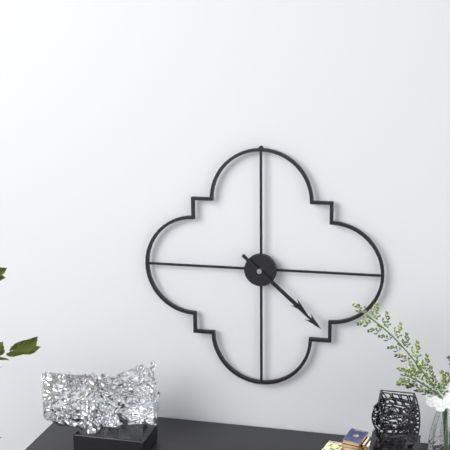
4,22
